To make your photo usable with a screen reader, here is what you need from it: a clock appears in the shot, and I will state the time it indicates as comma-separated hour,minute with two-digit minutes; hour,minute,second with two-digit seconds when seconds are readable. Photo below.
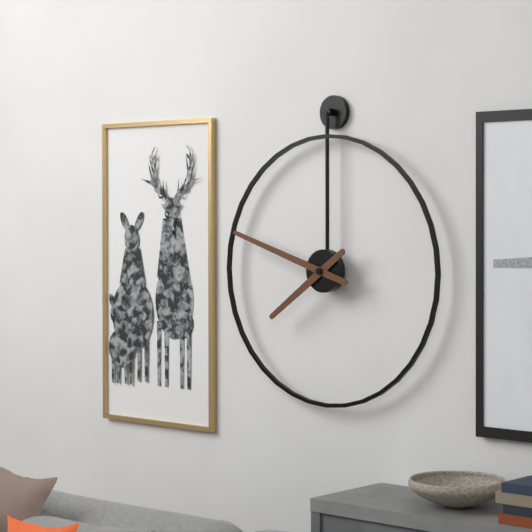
7,48
